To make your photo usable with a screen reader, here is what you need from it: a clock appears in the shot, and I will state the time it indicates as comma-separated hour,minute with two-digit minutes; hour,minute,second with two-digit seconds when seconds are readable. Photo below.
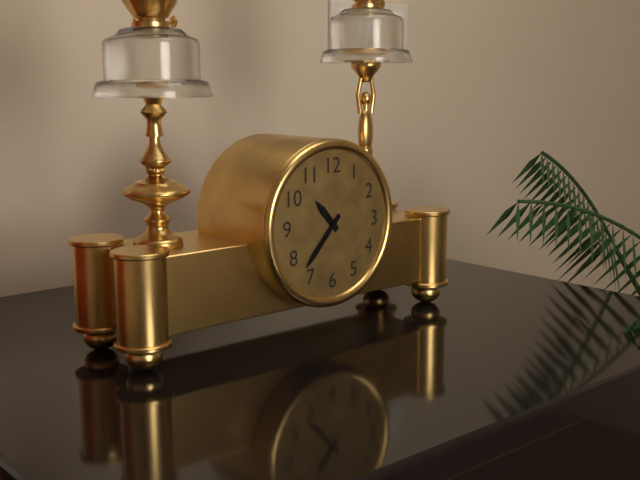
10,37
